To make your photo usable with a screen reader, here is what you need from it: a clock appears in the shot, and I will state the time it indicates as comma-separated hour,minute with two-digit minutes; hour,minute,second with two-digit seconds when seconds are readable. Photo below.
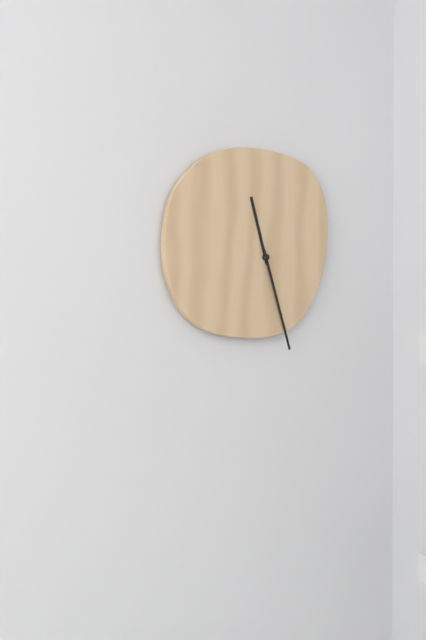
11,27
